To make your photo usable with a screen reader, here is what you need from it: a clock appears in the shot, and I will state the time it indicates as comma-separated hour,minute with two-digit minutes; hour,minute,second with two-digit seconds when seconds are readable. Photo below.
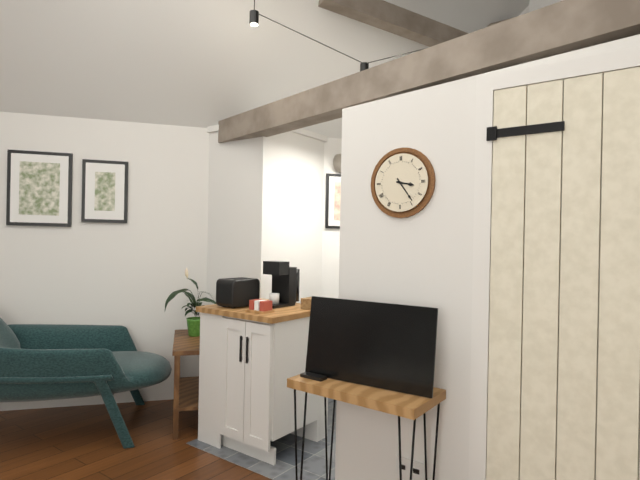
3,24
